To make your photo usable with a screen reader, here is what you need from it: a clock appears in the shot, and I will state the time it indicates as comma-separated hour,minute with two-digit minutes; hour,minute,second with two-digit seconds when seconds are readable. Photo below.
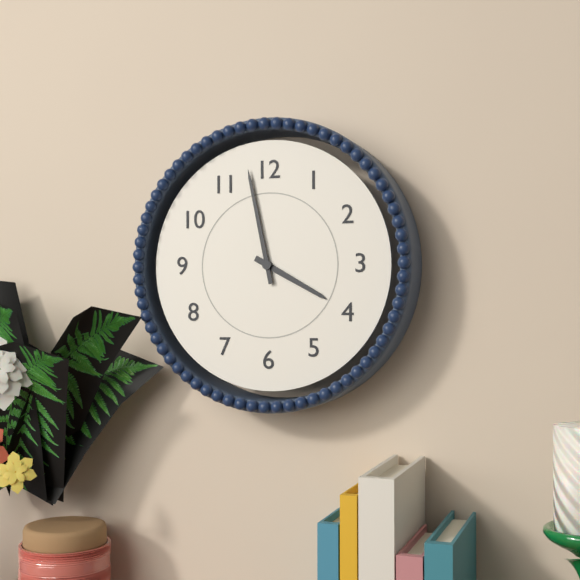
3,58
